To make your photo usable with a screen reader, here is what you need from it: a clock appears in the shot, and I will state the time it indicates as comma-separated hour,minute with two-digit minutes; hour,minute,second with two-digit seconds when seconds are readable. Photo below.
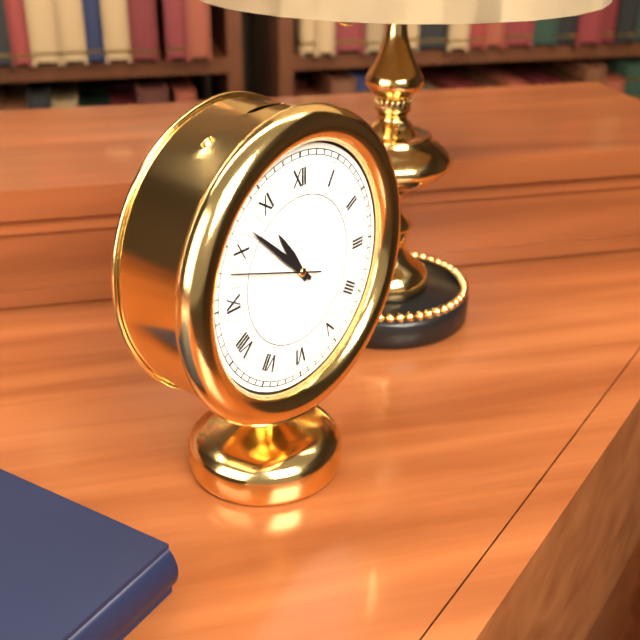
10,52,48
